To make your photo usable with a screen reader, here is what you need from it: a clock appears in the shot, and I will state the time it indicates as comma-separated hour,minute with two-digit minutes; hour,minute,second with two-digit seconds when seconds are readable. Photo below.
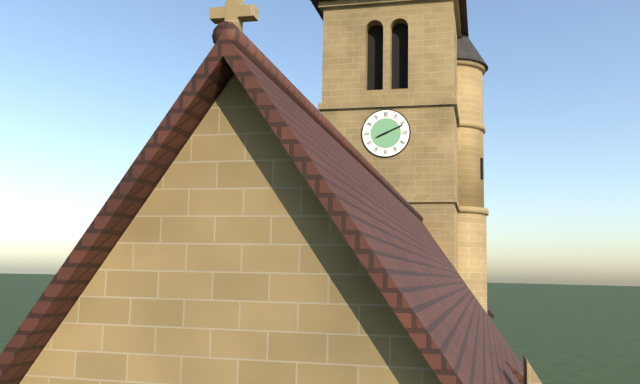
8,11
